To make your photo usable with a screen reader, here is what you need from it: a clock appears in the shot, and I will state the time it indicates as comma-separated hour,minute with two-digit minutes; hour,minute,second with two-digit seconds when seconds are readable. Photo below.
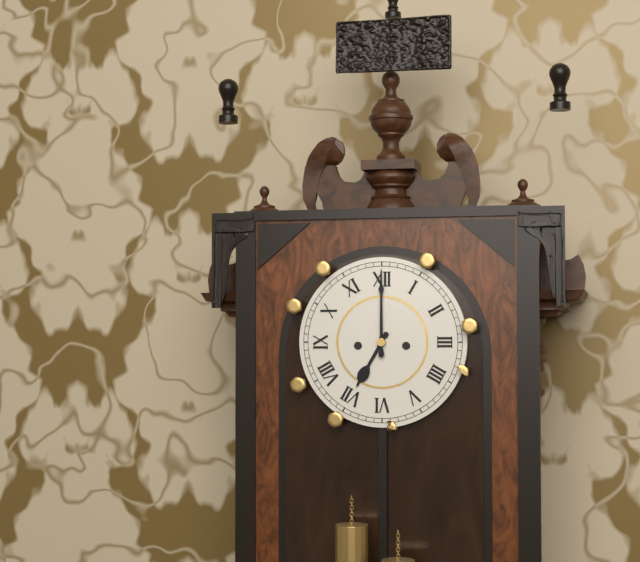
7,00
